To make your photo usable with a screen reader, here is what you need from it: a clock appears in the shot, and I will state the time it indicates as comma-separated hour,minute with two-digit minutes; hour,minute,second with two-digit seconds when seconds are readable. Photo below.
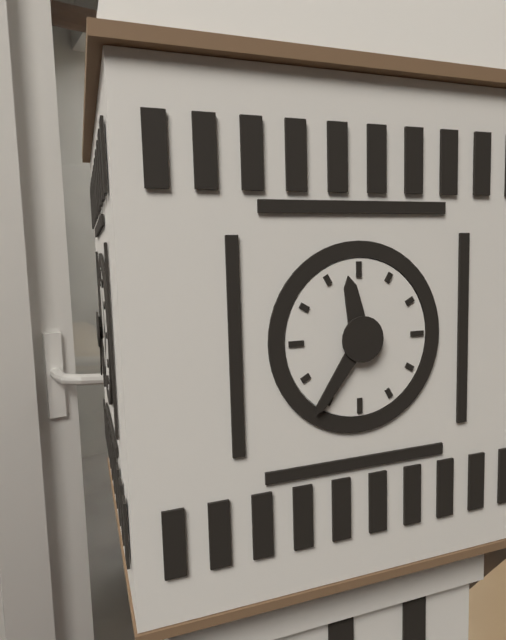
11,36
